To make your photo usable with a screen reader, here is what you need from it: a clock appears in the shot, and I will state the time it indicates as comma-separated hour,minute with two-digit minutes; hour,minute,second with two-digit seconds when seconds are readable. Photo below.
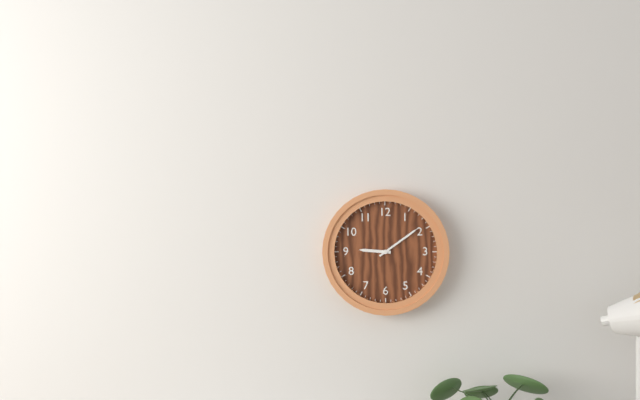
9,09
